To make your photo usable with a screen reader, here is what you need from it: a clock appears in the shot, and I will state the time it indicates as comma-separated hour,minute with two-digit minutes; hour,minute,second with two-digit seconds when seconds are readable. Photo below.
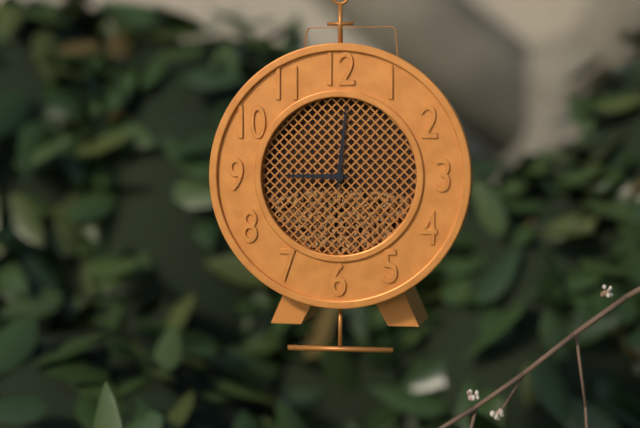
9,01
